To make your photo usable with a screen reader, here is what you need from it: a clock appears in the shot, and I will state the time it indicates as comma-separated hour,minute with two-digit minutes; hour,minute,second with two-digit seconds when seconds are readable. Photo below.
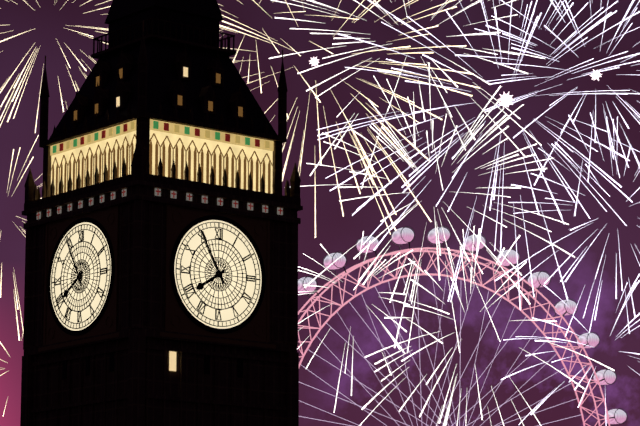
7,55
